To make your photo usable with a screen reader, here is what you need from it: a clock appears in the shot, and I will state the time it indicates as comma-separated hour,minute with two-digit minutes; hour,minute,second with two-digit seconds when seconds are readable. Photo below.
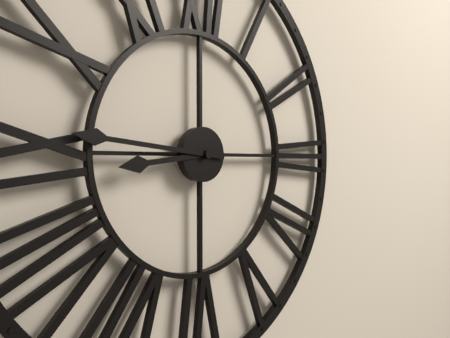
8,46
